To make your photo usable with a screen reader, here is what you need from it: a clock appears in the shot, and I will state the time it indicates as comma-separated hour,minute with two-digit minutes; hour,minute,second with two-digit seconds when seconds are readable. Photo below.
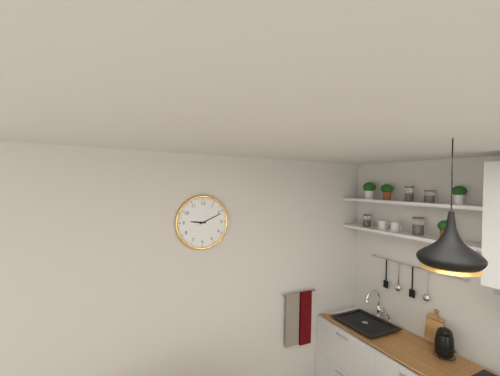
9,11
